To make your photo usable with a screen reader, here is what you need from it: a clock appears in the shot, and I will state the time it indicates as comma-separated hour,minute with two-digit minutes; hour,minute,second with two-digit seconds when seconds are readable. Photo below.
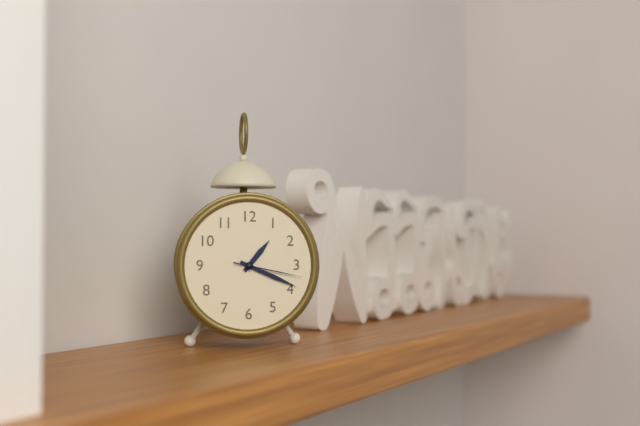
1,19,17
